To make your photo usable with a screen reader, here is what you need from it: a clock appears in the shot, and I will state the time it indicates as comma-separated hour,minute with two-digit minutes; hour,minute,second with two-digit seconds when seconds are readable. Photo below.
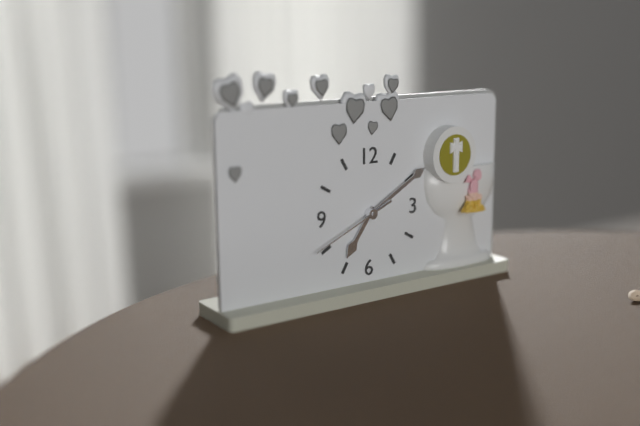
7,10,41
